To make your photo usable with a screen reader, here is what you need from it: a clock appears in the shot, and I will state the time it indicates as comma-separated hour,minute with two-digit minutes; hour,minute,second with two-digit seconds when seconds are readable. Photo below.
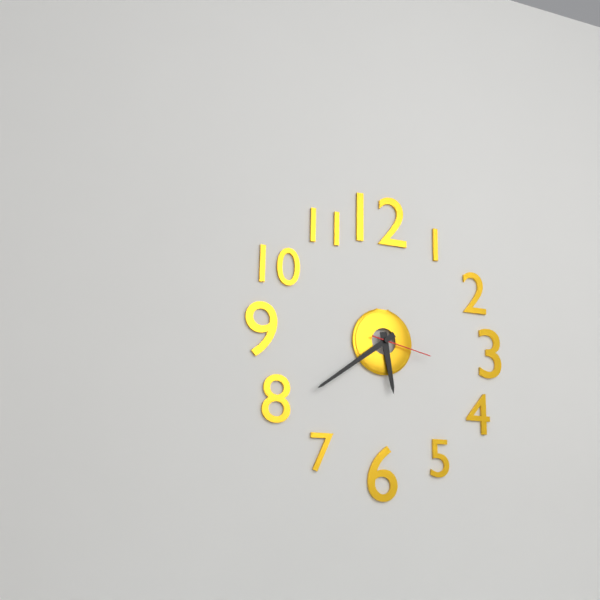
5,39,17
